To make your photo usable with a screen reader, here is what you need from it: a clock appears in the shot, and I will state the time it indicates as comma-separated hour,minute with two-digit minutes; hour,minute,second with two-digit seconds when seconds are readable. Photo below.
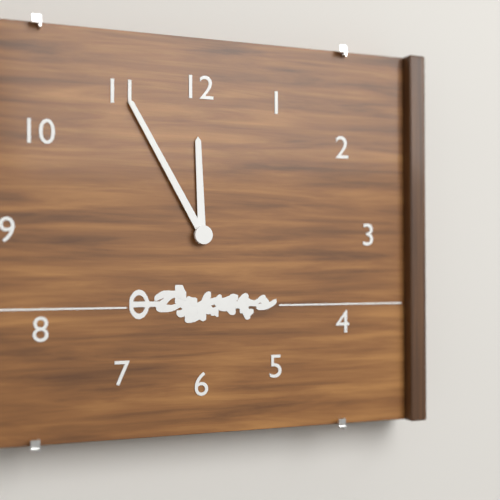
11,55
